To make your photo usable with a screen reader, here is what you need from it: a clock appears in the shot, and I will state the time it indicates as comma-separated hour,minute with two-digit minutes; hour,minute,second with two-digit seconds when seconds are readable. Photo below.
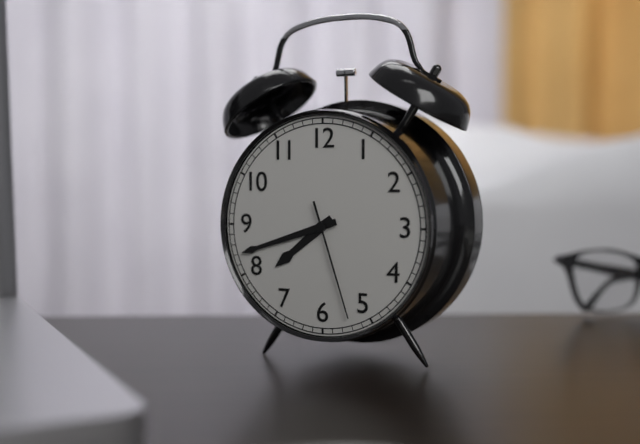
7,42,27
